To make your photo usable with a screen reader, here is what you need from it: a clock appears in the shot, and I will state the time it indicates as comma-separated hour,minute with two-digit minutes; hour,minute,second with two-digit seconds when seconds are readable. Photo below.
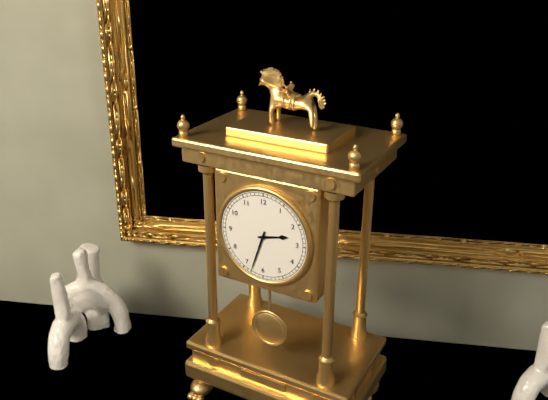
2,33
